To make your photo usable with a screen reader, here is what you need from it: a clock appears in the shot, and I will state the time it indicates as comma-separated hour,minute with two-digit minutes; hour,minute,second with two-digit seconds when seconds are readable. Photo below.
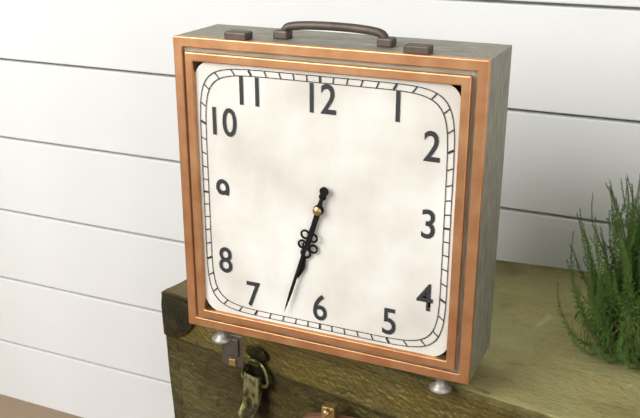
6,33
